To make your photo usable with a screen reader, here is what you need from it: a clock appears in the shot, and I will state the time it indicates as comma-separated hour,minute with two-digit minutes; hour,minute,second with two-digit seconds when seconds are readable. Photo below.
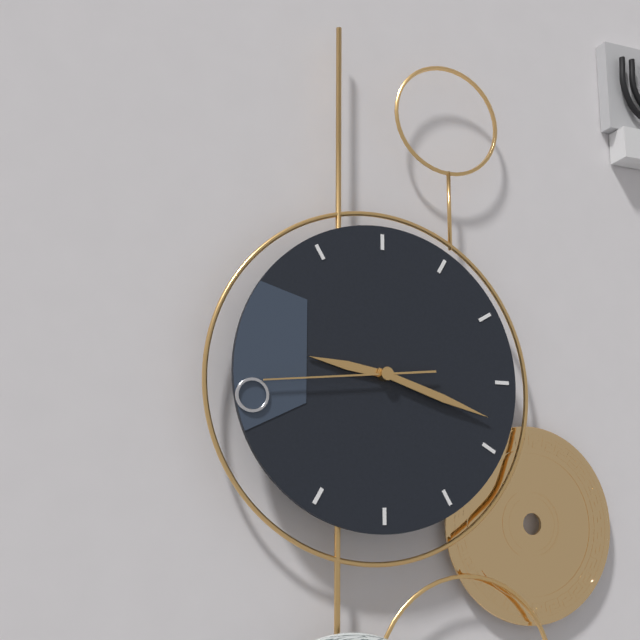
9,18,44
